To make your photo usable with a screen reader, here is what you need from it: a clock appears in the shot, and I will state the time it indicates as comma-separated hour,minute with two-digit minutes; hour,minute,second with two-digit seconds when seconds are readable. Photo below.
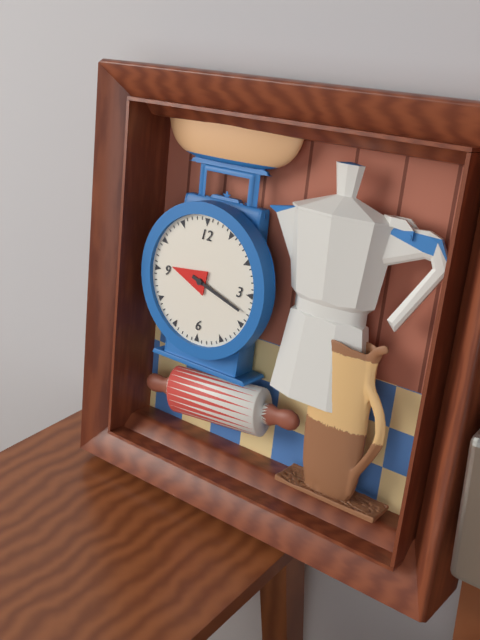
9,18
